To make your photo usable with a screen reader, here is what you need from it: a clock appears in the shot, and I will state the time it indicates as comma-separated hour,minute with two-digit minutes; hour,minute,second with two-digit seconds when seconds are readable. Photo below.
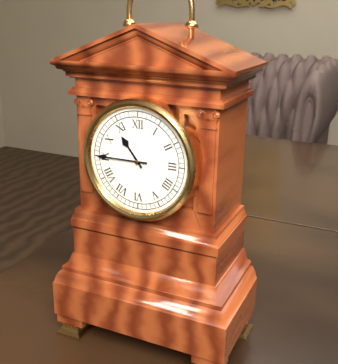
10,45
